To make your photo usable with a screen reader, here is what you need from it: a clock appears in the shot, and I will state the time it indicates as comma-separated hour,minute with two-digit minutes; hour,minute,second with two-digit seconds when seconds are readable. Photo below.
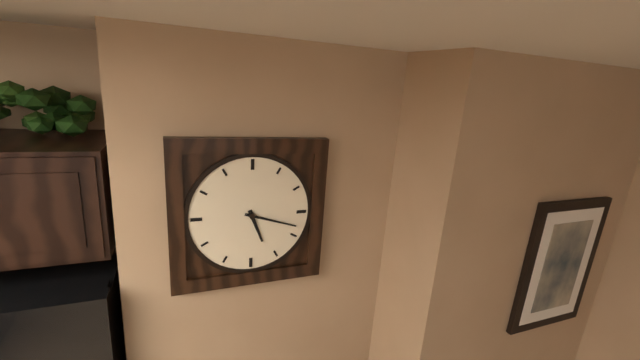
5,18
